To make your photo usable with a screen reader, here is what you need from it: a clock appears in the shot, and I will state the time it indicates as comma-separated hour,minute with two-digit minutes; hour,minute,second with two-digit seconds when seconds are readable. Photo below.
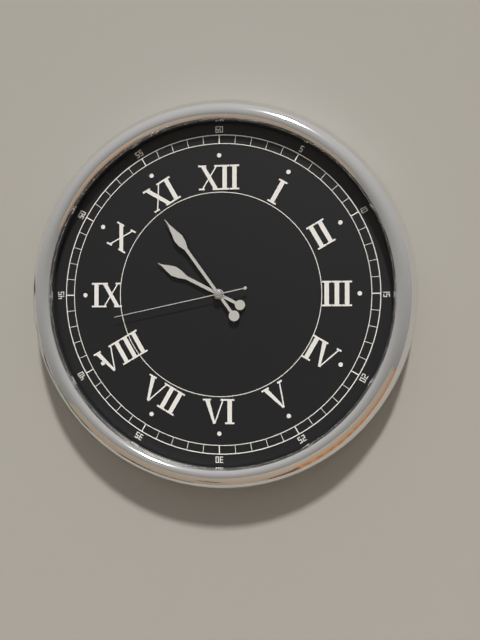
9,54,43
